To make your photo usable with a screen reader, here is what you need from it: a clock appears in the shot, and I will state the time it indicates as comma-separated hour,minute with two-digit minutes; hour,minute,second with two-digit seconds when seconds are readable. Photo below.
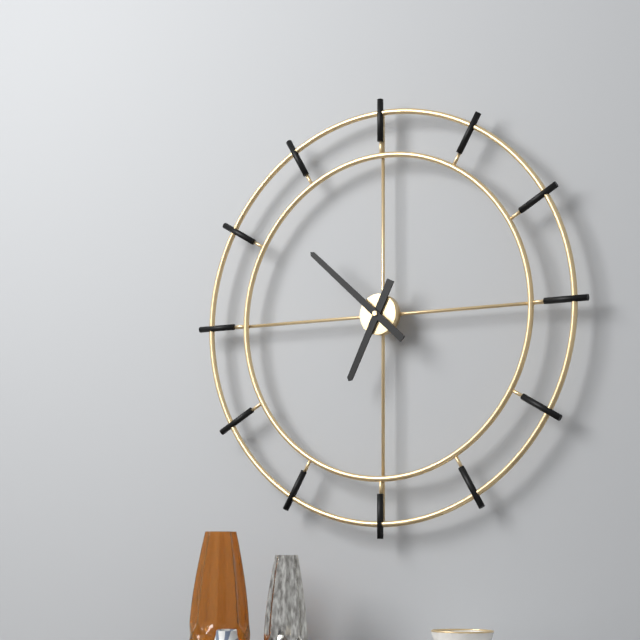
6,52
